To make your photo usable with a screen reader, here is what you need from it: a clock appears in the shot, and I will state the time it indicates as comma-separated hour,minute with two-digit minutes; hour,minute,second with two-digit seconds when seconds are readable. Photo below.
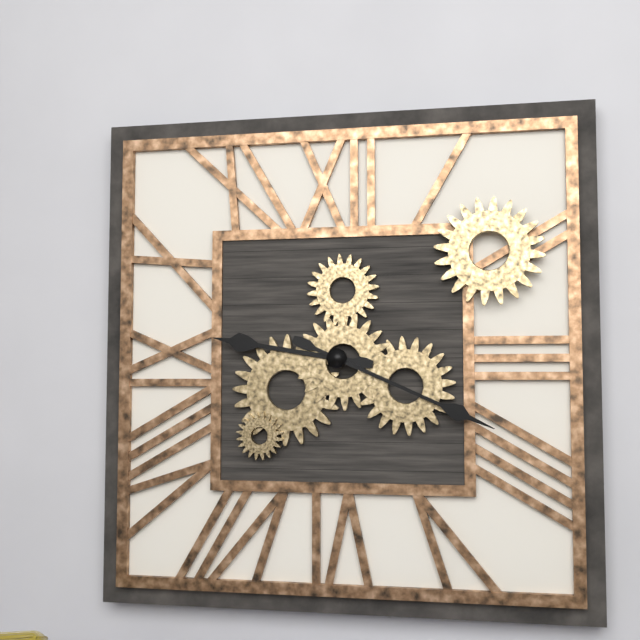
9,19
